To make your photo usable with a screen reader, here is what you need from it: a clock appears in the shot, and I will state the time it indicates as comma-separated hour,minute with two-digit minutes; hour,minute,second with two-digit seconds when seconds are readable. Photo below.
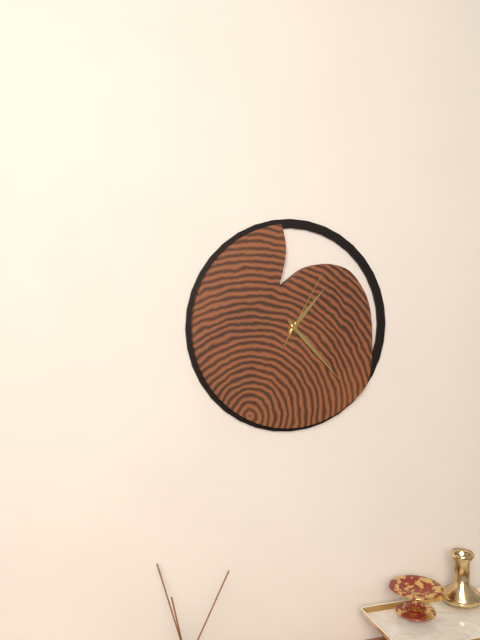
1,23,05
